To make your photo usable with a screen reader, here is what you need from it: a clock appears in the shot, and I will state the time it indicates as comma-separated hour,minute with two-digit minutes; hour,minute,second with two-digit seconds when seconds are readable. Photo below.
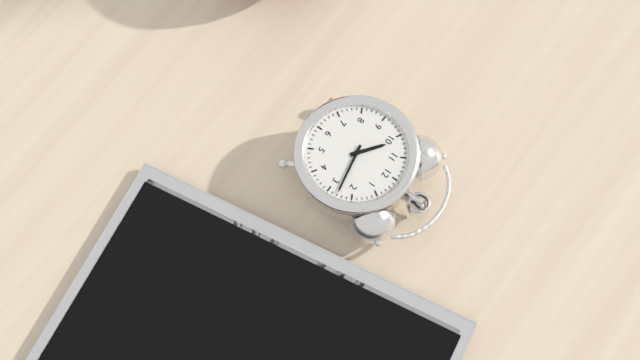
10,13
